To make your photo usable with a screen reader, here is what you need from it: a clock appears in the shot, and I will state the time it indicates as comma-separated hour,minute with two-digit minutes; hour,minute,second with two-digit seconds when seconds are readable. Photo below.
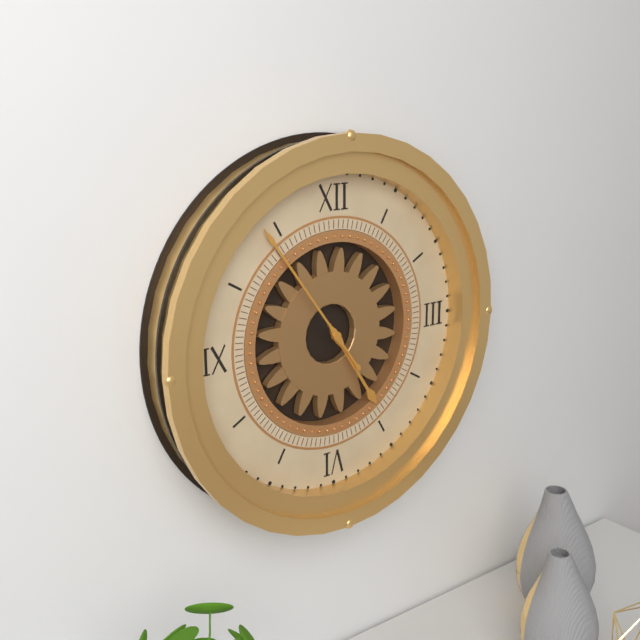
4,54
